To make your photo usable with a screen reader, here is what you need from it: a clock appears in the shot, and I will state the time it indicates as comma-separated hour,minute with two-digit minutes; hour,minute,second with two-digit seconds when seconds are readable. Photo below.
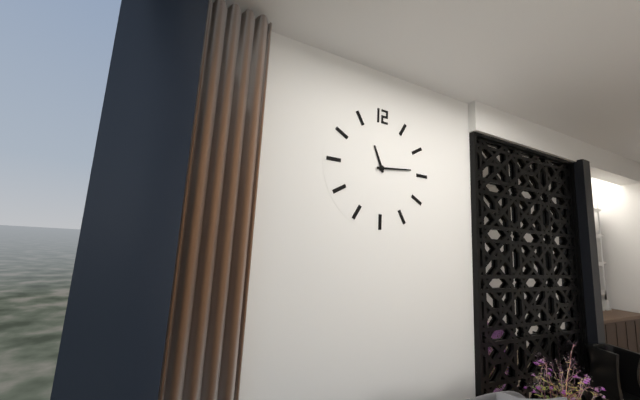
11,14
